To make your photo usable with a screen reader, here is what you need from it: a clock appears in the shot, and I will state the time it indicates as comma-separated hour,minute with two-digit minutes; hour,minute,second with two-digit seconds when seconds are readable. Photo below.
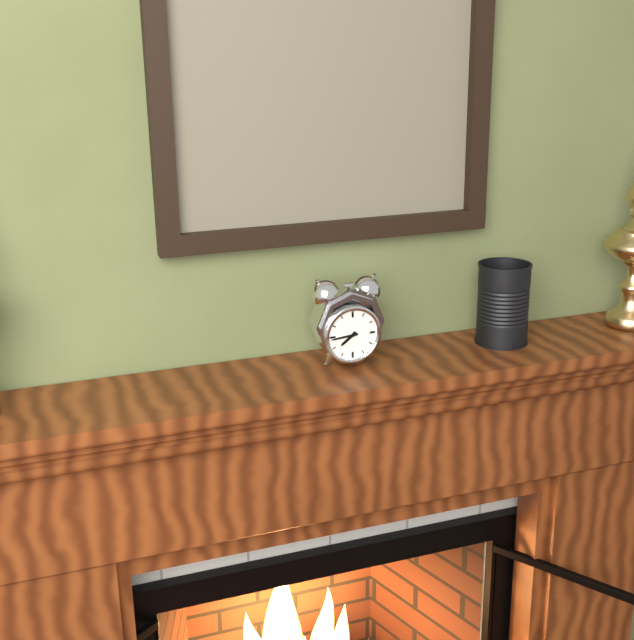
7,44
